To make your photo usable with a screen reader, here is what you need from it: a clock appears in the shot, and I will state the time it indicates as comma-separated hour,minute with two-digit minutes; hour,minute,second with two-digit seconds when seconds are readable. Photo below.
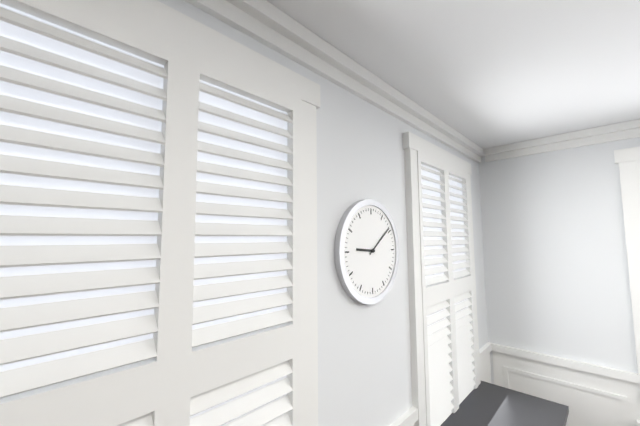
9,09
